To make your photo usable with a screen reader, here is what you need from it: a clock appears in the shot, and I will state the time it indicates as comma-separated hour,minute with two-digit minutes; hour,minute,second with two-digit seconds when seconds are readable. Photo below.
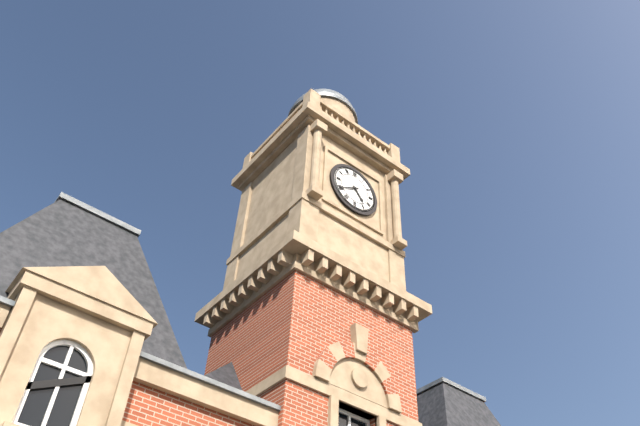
4,40
